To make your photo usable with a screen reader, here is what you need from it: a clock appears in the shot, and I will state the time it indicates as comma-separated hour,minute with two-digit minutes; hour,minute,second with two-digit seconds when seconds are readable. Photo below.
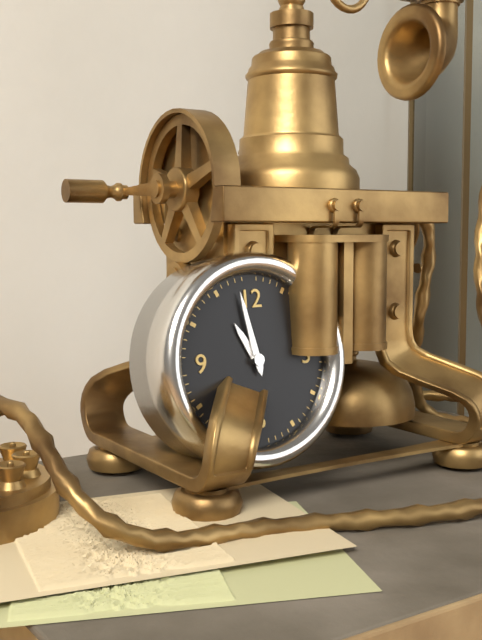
10,58
